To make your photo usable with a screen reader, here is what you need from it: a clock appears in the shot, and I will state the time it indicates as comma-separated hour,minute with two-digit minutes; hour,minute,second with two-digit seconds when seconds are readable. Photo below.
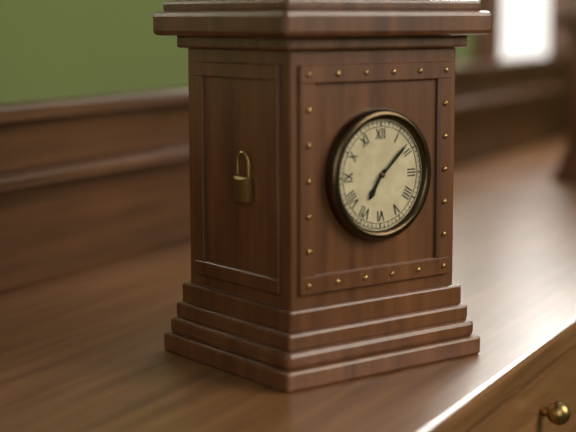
7,08
